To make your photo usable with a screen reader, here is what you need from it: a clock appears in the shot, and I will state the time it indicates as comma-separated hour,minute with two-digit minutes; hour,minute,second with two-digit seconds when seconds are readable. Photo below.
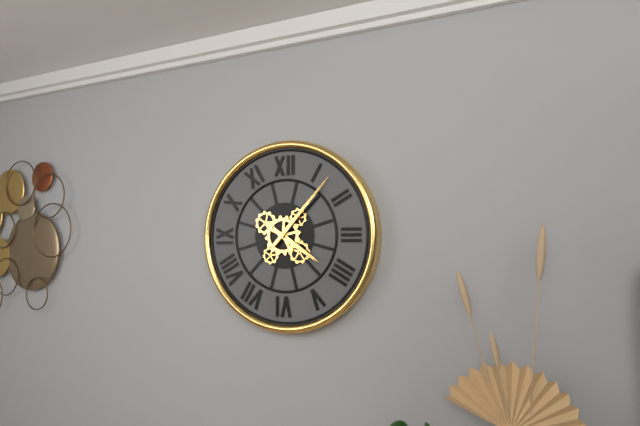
4,07
